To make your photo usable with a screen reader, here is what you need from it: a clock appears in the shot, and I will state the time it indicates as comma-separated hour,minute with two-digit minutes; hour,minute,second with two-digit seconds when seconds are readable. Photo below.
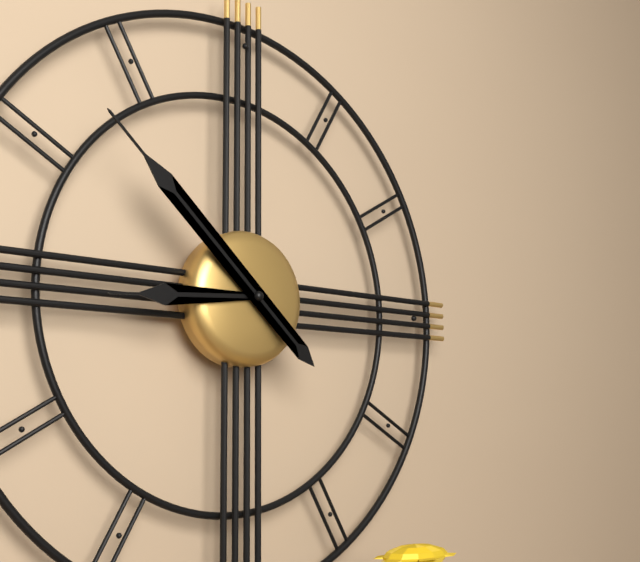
8,52
